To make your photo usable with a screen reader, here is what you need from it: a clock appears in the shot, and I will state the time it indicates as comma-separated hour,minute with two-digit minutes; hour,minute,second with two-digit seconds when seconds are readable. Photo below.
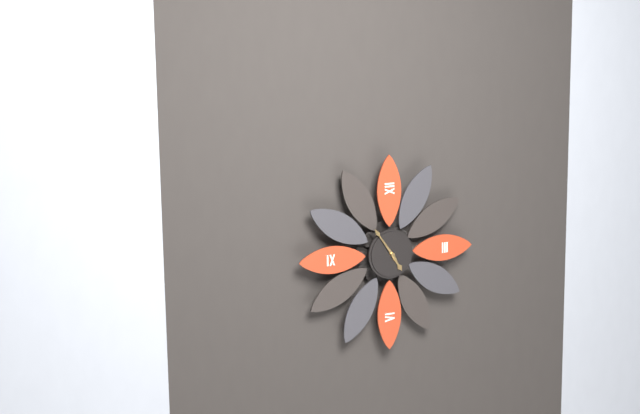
4,54
